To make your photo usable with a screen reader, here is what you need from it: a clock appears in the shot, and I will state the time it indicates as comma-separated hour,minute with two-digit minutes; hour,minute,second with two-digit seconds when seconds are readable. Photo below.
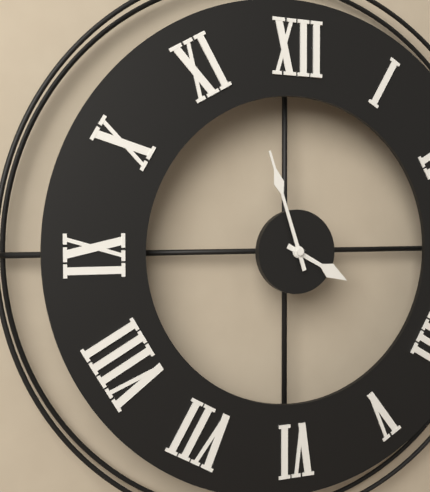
3,57
